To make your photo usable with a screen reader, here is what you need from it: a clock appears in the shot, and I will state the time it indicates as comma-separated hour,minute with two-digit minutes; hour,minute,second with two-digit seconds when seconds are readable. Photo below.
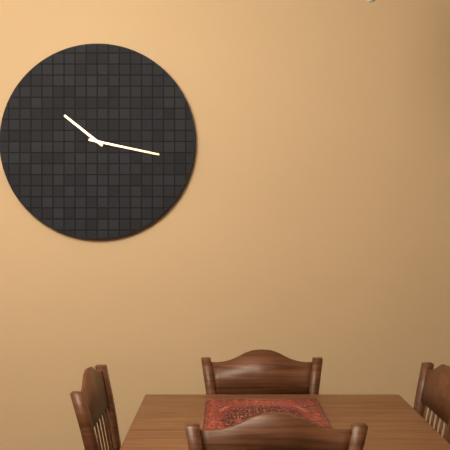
10,17
